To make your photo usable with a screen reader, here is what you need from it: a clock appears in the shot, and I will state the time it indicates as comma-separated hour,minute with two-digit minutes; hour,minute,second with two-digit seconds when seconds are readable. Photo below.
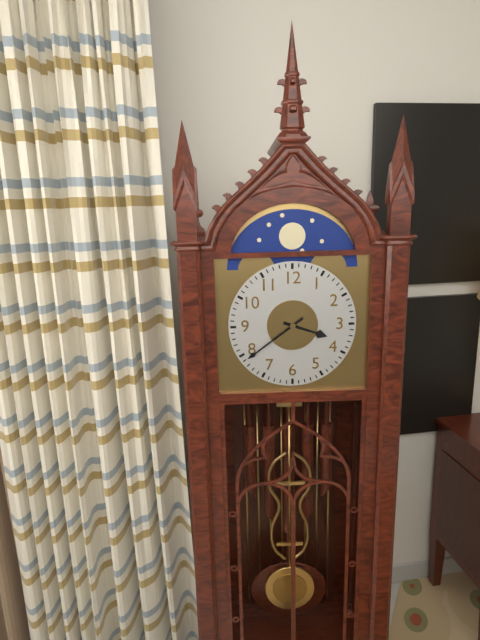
3,39
